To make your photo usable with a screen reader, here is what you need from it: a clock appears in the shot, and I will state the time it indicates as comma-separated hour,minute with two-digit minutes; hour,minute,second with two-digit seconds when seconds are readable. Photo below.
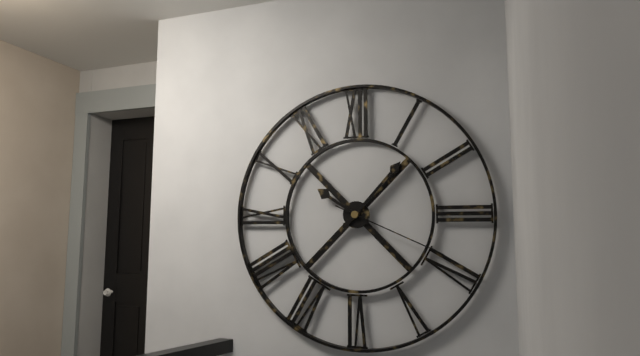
10,07,19
